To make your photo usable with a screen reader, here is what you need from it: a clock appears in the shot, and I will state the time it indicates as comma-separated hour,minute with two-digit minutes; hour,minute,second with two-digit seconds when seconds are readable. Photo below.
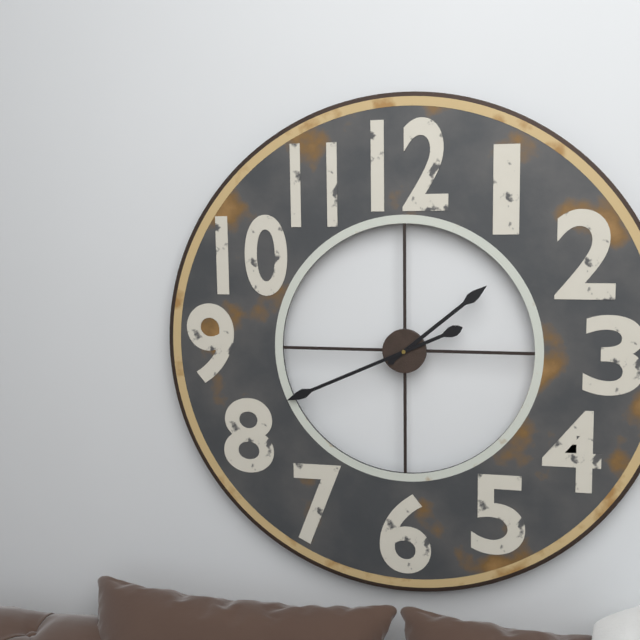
1,41
